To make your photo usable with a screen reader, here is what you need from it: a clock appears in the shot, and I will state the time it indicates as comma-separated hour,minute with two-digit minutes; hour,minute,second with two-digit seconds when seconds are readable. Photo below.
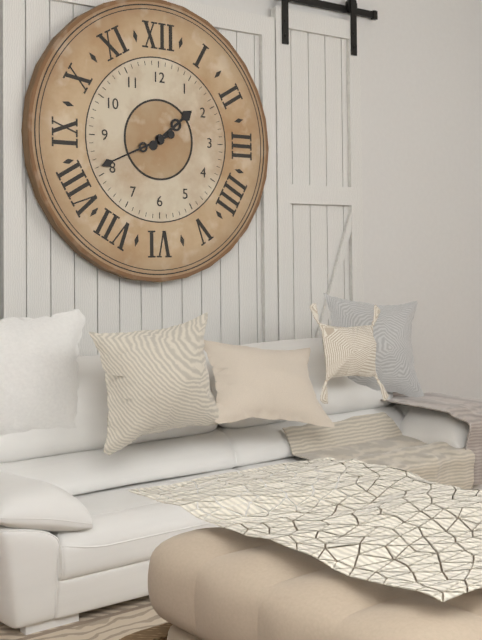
1,41
